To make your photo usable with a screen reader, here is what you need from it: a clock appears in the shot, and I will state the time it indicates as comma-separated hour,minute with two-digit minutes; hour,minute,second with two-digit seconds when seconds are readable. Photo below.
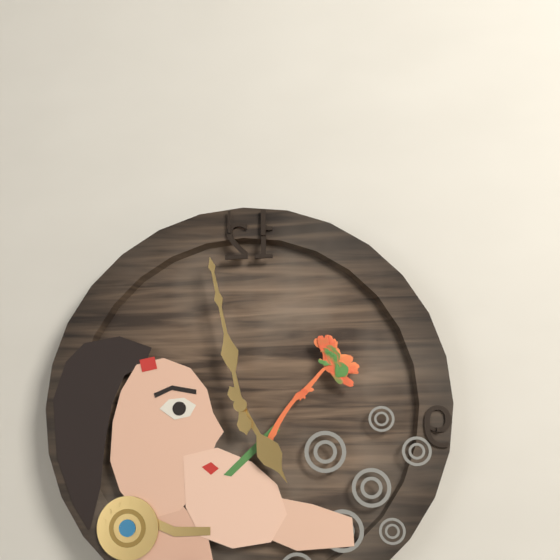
4,58
